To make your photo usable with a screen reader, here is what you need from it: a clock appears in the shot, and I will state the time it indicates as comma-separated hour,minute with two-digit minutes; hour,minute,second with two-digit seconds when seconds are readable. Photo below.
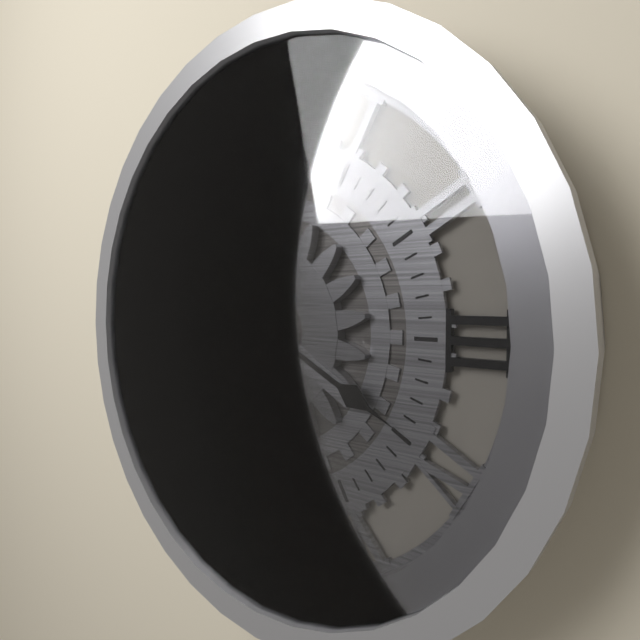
3,55
